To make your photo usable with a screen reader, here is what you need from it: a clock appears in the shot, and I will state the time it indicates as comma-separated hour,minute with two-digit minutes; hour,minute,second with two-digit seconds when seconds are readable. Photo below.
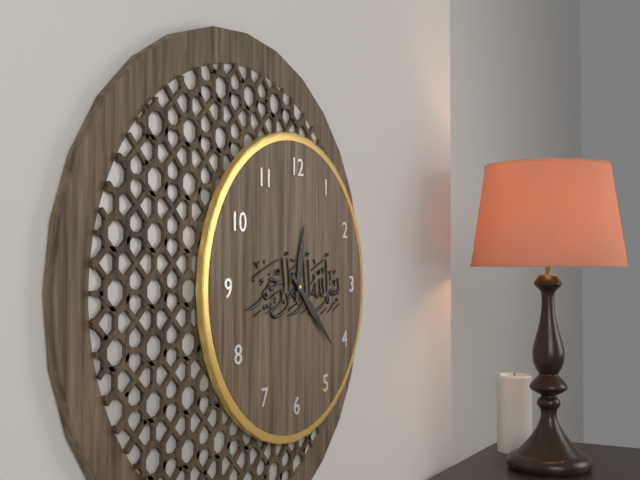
12,22
